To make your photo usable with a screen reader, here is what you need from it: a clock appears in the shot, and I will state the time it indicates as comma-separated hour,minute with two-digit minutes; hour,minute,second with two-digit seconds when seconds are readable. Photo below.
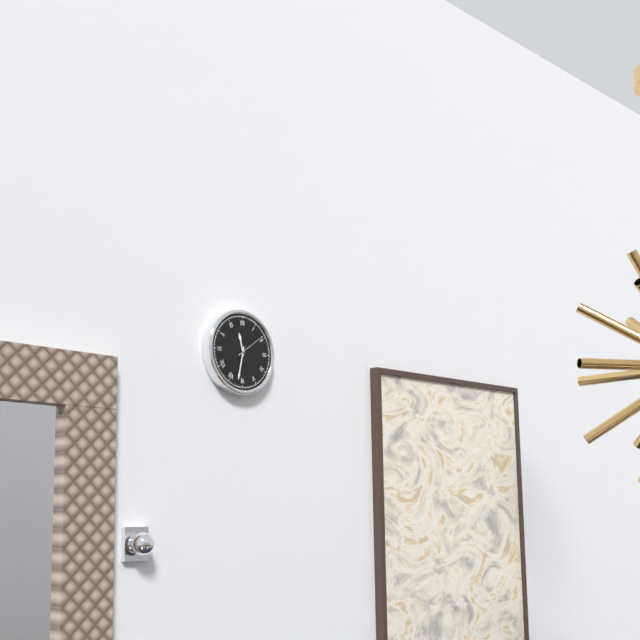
11,32
